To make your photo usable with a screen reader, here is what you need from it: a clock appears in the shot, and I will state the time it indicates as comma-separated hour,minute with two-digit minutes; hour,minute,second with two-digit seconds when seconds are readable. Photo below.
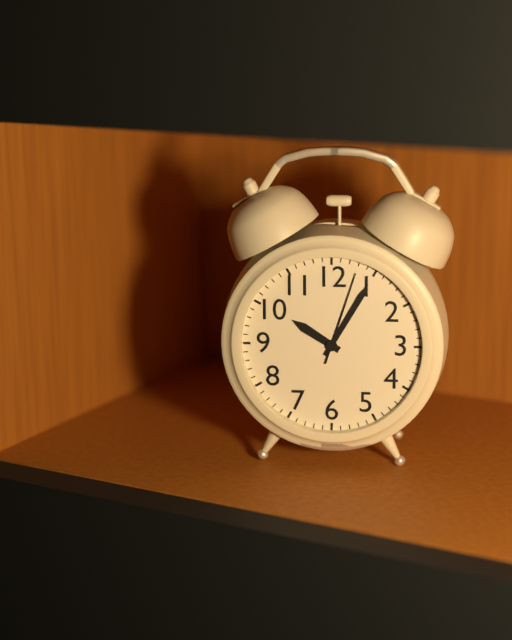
10,05,03
